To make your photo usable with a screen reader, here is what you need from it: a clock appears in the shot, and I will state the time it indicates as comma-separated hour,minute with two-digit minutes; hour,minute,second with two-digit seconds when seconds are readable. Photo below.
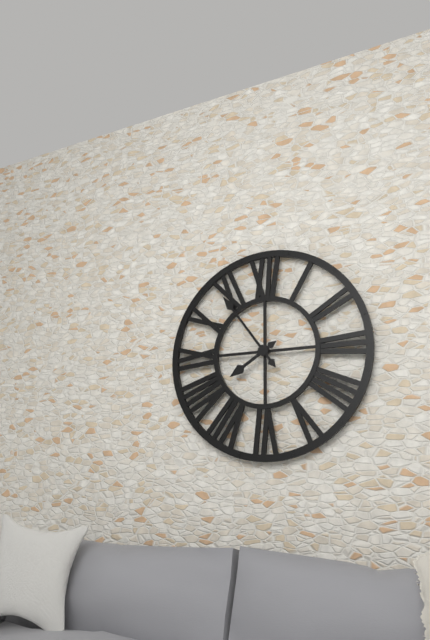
7,54
